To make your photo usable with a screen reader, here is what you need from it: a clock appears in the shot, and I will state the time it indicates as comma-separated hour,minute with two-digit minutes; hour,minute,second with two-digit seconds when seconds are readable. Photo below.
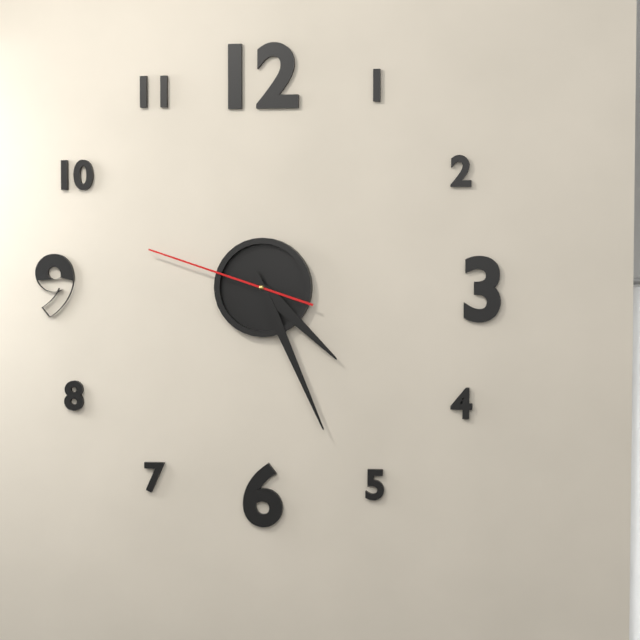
4,26,48
